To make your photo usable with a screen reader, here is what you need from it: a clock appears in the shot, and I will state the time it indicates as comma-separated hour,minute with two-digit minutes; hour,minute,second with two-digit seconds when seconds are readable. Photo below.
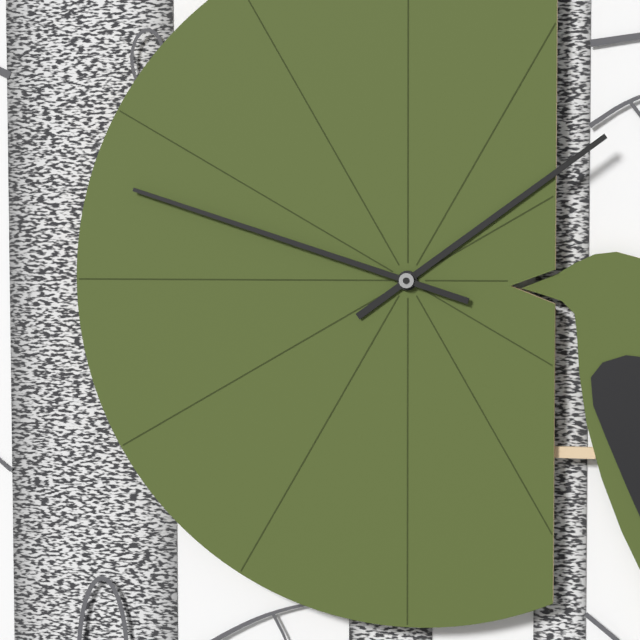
1,48
